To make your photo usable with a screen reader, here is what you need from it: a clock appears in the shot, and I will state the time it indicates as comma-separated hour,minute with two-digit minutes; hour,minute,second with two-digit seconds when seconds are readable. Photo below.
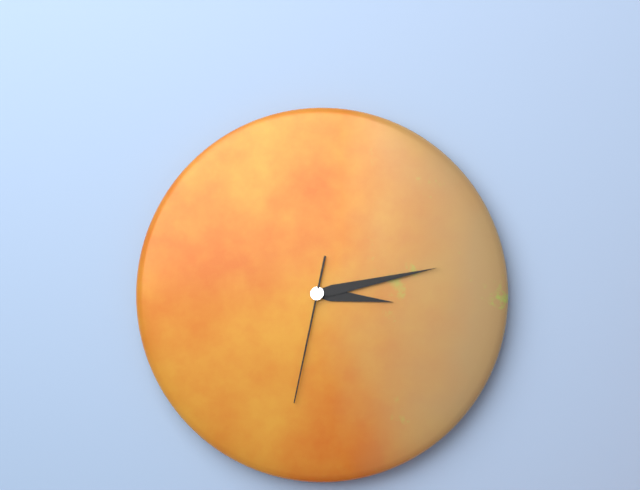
3,13,32
